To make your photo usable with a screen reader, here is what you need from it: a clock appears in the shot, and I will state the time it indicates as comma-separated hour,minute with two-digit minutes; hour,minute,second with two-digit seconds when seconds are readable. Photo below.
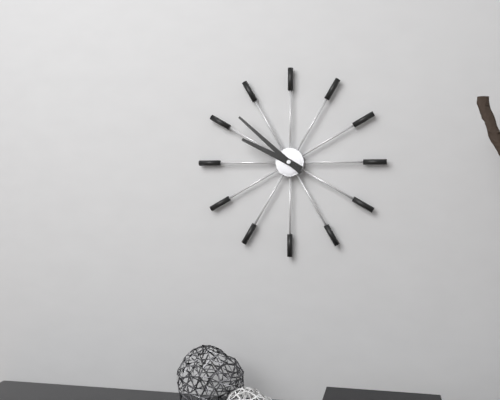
9,52
